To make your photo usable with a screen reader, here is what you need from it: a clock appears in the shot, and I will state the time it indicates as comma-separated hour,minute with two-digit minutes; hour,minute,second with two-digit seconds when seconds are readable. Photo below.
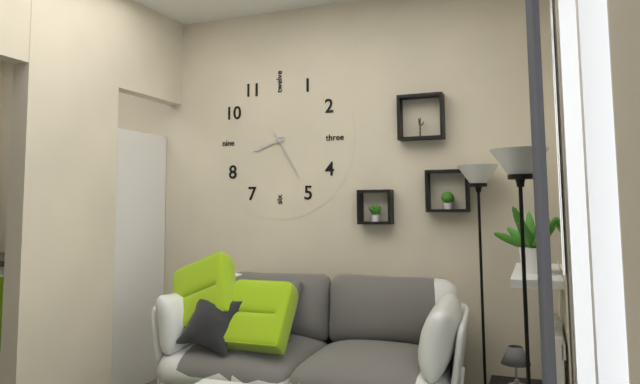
8,25
